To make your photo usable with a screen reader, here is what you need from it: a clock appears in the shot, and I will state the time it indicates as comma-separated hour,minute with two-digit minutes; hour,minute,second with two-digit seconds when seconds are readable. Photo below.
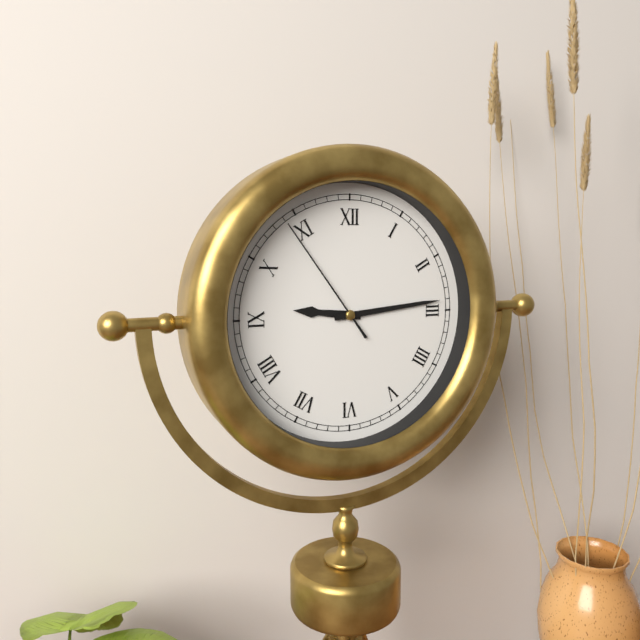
9,14,54
